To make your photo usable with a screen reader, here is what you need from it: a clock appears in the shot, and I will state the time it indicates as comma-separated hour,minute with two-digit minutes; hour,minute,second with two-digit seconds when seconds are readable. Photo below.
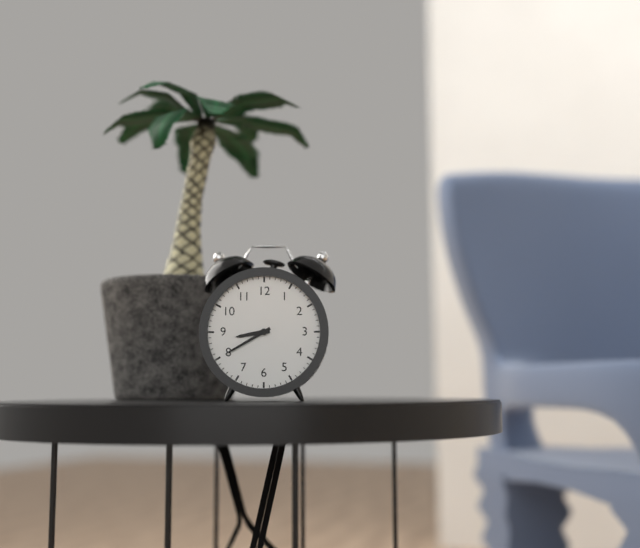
8,40
